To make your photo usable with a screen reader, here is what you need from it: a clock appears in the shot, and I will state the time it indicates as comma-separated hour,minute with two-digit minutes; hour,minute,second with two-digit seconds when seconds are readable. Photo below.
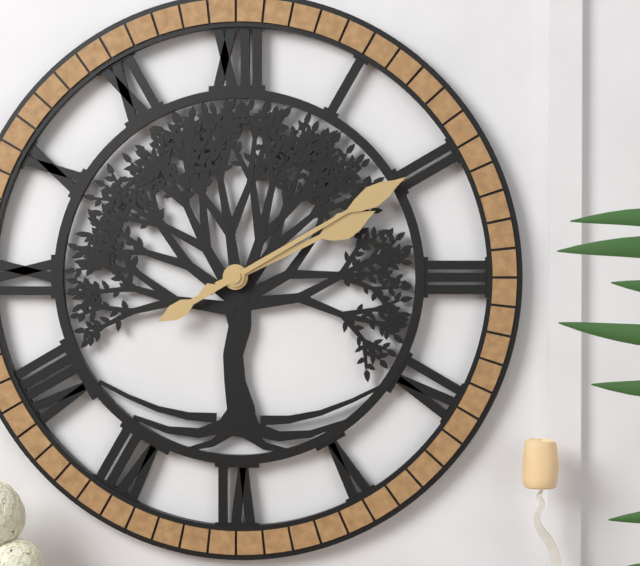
2,10
